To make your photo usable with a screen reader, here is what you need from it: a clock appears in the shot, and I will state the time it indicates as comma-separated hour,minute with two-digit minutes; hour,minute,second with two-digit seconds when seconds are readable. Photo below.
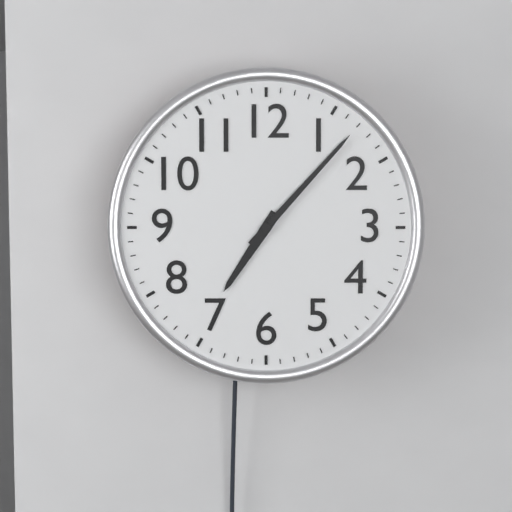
7,07
